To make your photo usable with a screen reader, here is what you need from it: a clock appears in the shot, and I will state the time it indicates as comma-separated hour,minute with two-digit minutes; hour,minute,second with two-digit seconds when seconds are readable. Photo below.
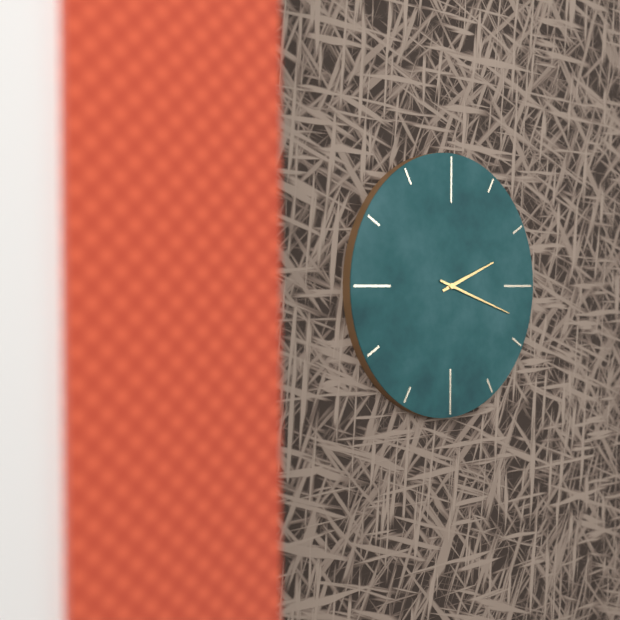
2,18
